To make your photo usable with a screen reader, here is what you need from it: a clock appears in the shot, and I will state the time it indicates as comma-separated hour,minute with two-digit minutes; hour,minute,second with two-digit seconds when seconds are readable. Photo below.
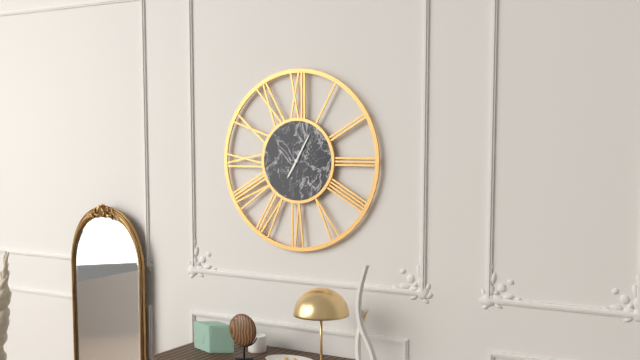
7,05
